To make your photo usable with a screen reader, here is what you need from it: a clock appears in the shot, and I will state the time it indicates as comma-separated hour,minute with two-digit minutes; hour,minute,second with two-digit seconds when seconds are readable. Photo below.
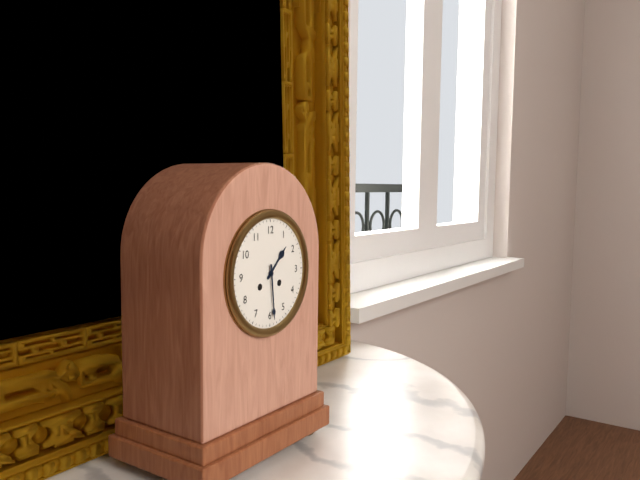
1,29
